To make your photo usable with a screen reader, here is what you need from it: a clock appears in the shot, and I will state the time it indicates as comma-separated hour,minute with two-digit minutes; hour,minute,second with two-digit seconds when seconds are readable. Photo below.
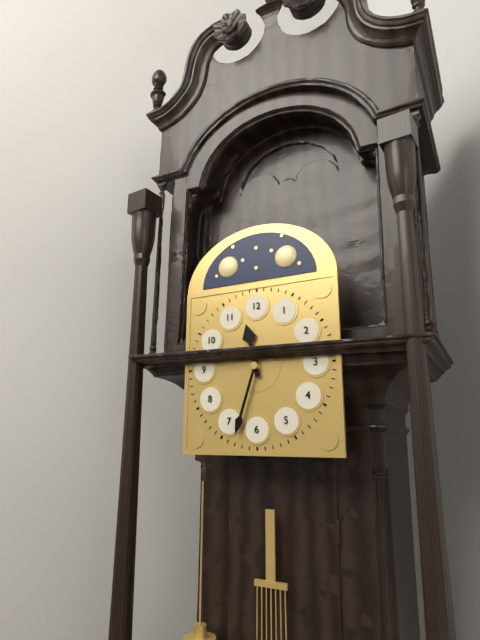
11,33
